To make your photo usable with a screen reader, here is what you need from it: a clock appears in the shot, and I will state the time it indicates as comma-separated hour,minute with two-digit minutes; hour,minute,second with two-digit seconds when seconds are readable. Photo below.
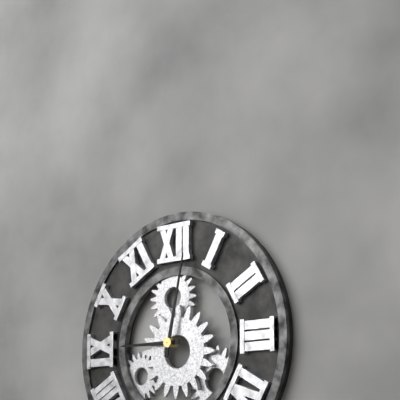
9,02
